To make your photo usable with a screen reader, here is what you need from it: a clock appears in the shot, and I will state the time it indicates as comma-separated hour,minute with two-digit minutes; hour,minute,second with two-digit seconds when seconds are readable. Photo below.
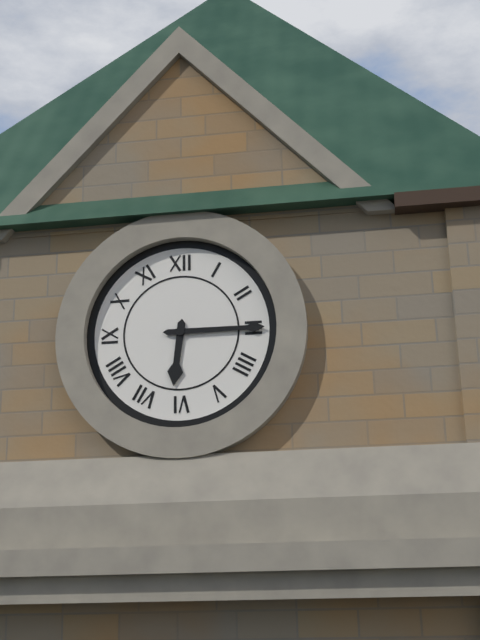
6,15
